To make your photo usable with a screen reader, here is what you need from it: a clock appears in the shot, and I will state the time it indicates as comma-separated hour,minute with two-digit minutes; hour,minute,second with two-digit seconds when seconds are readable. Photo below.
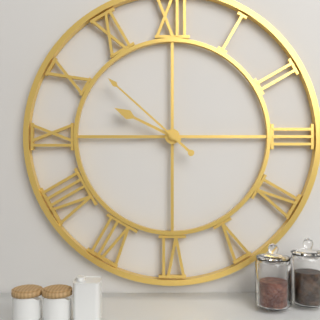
9,52
